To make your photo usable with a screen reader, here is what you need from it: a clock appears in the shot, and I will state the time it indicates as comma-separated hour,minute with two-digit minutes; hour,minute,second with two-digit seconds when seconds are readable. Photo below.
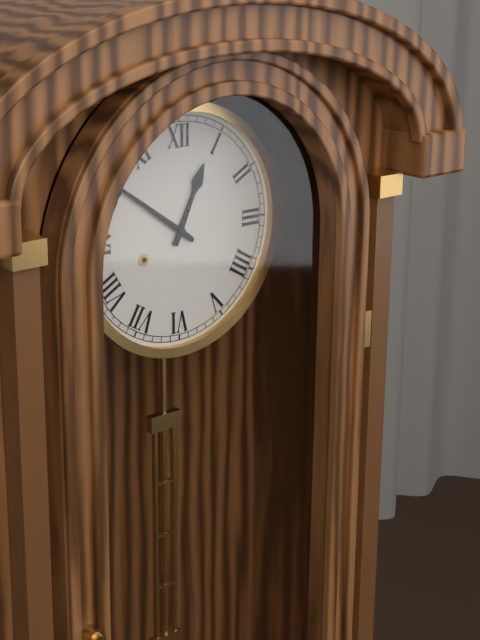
12,51
